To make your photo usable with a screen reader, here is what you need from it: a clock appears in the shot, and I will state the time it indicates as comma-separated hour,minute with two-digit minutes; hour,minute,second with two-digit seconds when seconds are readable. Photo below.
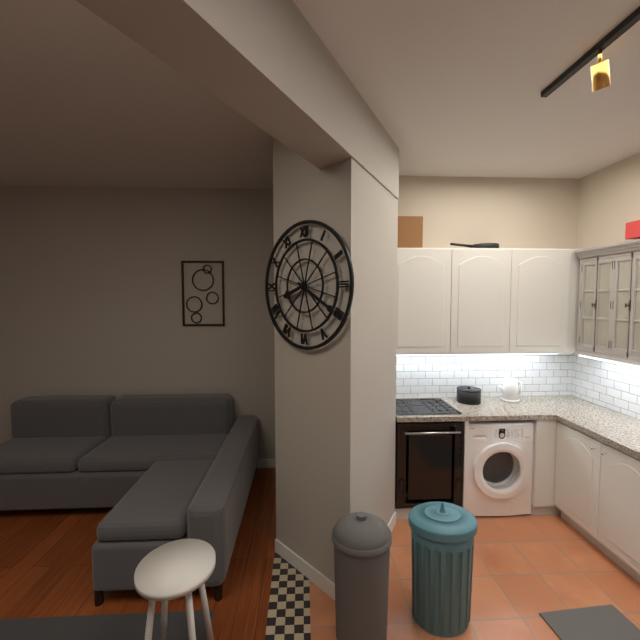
8,20
